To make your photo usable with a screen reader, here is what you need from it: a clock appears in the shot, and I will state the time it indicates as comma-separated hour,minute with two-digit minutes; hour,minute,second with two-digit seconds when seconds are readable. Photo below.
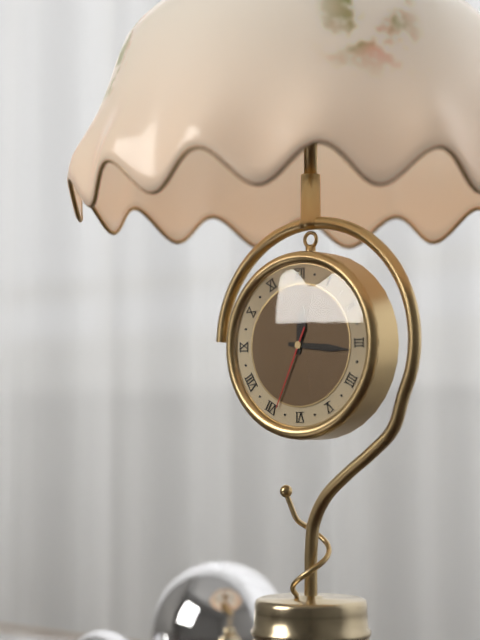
12,16,34
